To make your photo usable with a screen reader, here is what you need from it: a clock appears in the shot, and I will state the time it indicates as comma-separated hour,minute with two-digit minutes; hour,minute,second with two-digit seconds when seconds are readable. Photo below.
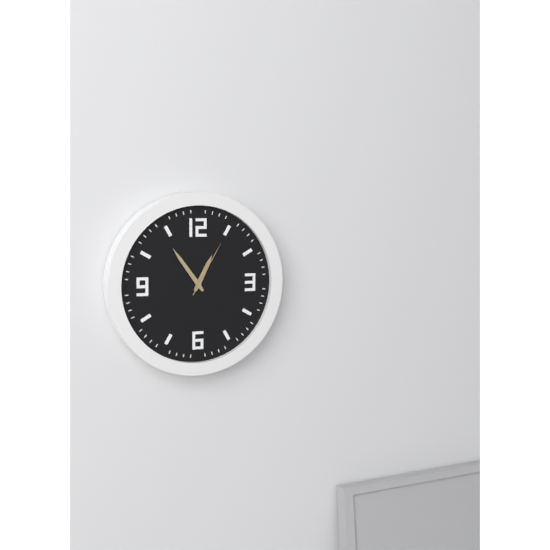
12,54,05
